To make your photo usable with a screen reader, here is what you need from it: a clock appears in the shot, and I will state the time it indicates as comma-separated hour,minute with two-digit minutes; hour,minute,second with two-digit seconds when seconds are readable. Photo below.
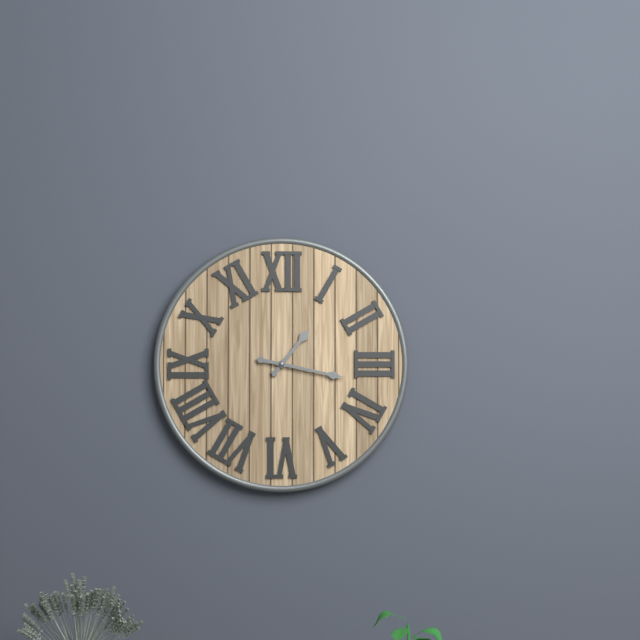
1,17
